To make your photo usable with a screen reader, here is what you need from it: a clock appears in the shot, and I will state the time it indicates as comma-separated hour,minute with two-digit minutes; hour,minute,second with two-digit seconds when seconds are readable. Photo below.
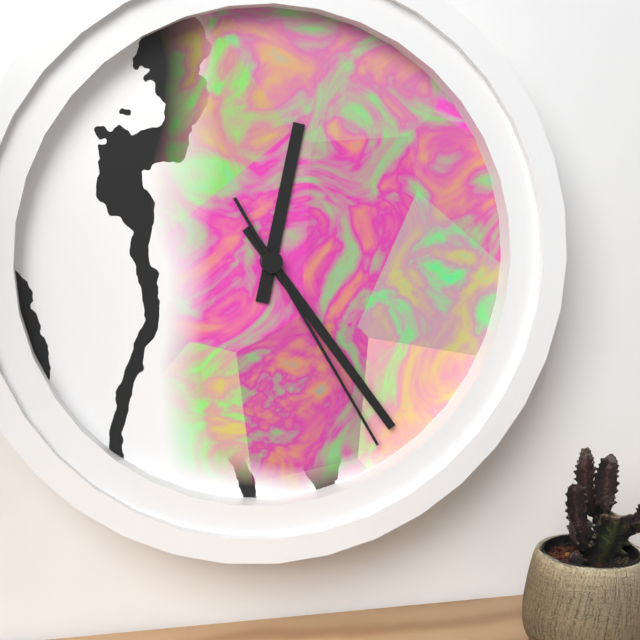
12,24,25
